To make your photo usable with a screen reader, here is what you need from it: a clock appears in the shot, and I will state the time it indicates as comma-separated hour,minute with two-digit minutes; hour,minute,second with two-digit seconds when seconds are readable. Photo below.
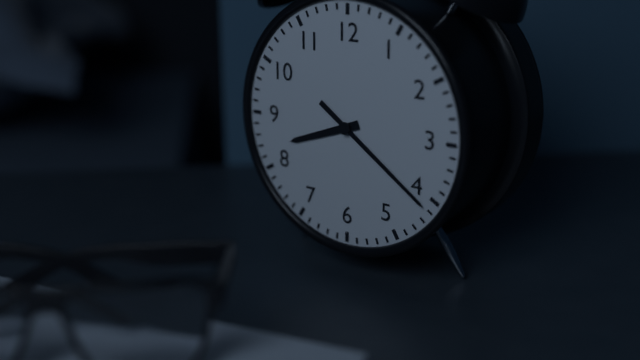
8,21
